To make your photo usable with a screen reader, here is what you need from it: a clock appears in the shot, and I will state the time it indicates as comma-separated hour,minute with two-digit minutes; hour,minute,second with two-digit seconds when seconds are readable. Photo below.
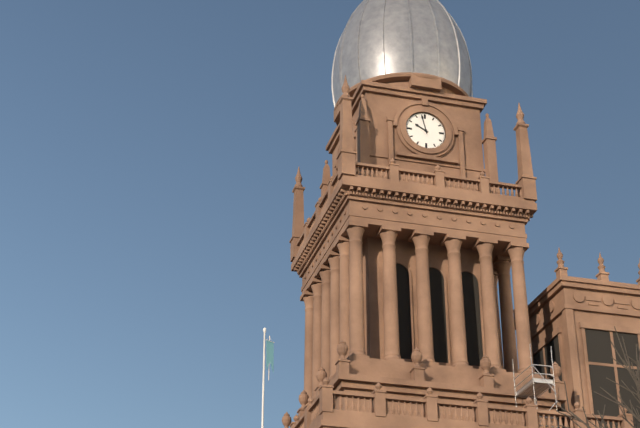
9,58
